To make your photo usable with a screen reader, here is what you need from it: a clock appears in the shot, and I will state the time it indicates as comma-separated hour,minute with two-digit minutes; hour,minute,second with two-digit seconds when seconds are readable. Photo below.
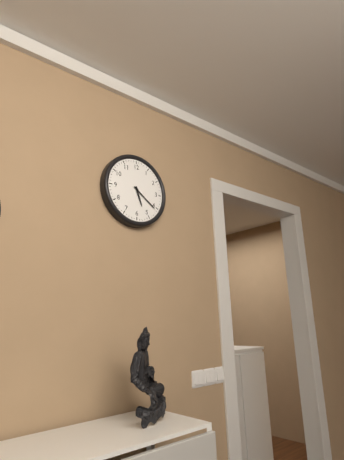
5,21
